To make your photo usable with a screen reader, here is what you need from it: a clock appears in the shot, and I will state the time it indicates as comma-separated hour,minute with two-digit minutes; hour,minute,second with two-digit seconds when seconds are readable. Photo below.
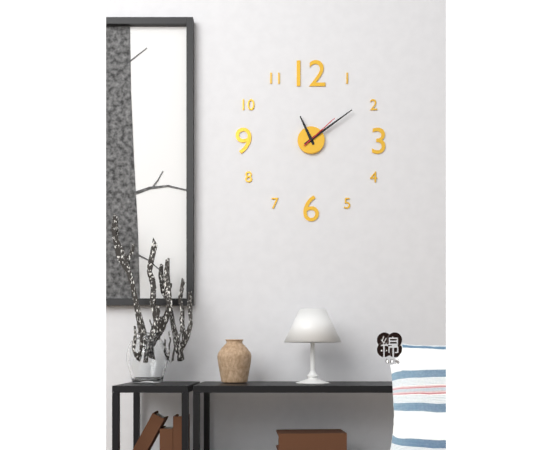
11,09
